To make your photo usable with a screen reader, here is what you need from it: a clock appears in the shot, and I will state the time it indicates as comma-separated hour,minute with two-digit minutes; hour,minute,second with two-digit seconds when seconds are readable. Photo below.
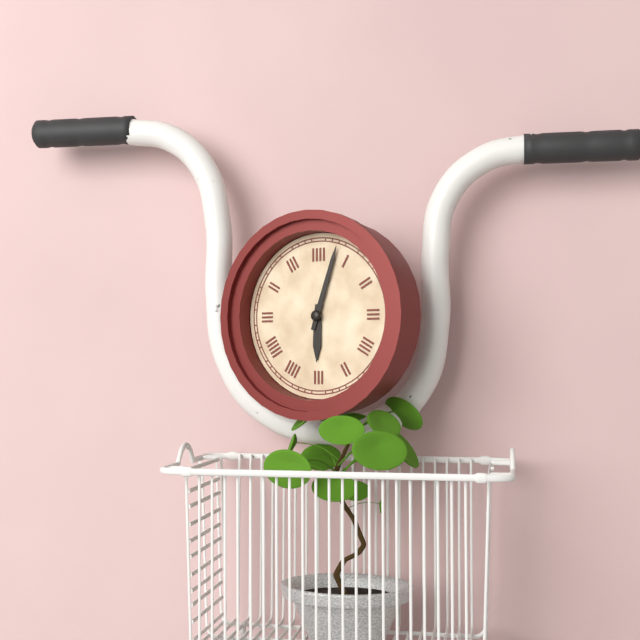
6,03
